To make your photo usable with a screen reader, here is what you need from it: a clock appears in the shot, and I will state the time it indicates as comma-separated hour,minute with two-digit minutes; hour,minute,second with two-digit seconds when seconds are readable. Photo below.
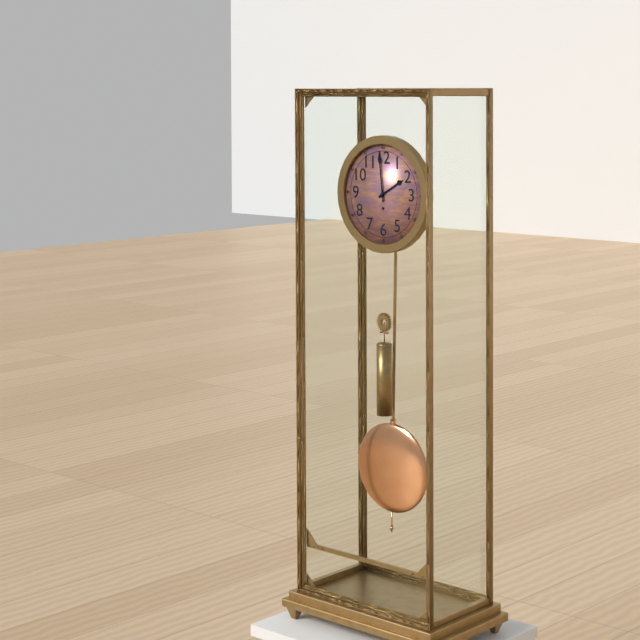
1,59
